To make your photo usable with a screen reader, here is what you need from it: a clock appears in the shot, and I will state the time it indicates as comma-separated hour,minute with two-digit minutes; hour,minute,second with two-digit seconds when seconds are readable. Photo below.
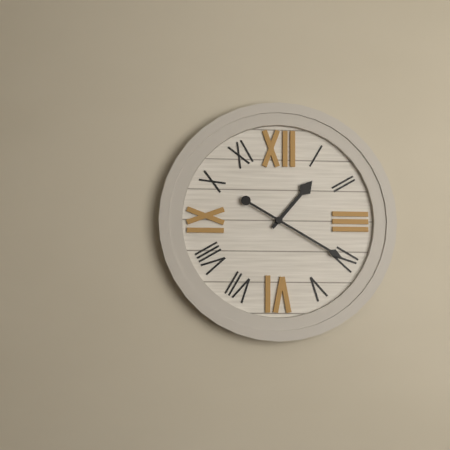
1,20
